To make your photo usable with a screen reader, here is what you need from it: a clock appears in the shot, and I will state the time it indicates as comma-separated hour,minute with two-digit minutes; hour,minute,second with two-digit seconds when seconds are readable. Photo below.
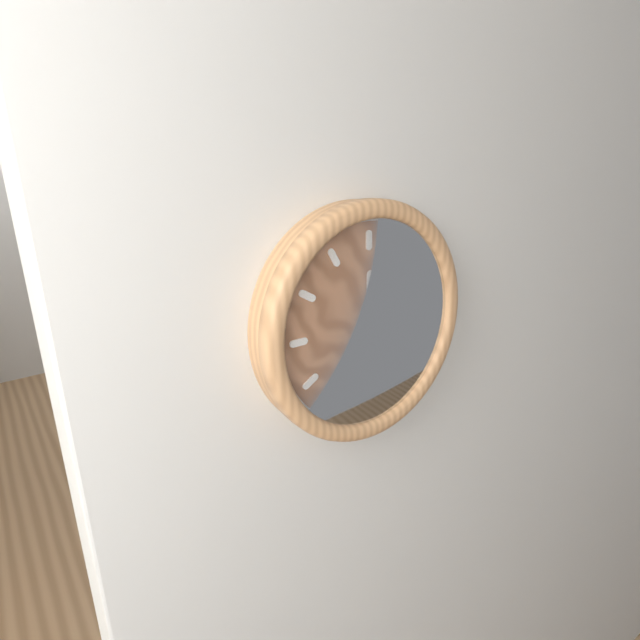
12,02
